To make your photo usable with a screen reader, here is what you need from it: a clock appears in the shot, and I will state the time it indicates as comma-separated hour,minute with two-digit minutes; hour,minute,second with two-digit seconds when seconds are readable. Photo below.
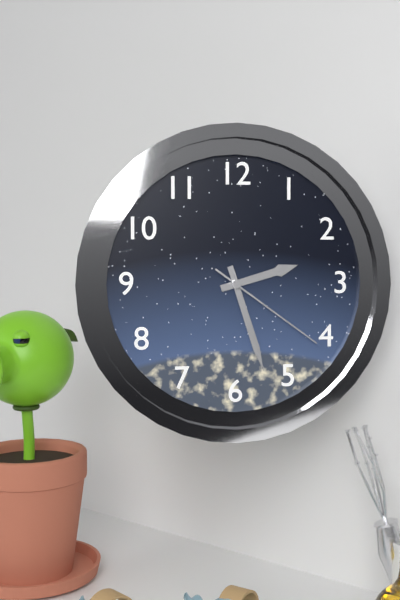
2,27,21
